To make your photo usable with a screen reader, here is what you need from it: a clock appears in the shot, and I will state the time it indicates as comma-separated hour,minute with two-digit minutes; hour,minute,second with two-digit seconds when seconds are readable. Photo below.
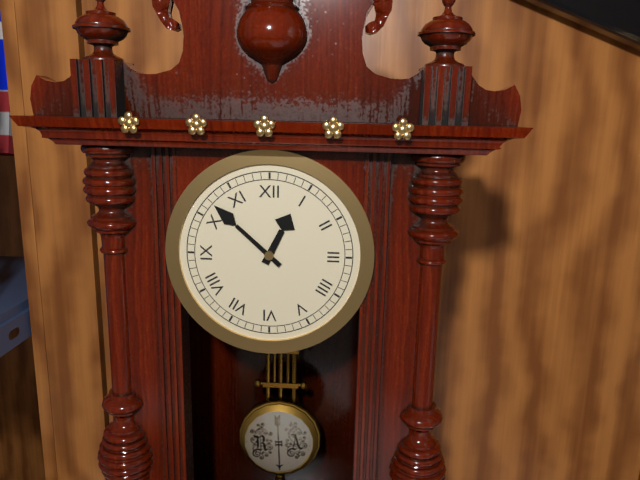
12,52
